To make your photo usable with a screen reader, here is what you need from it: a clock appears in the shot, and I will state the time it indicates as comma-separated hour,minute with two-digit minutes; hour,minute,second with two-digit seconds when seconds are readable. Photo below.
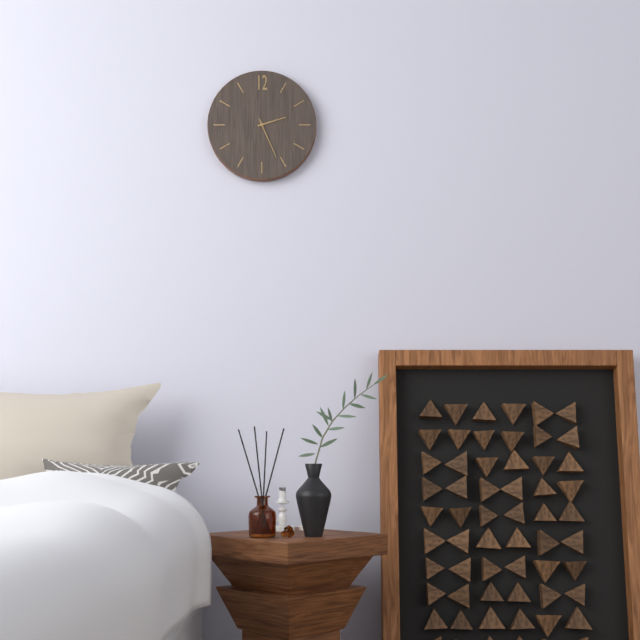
2,26
